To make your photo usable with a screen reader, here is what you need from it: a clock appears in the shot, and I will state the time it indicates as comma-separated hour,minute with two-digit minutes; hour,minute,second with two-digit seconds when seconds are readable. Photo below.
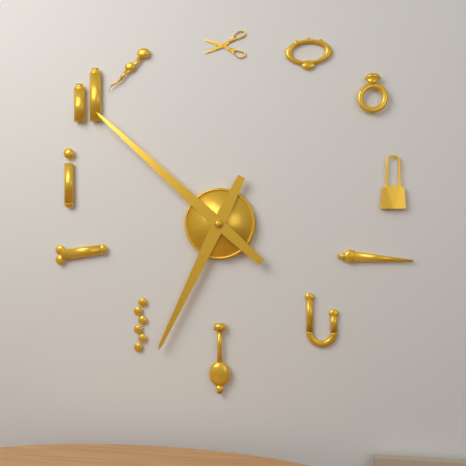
6,52
